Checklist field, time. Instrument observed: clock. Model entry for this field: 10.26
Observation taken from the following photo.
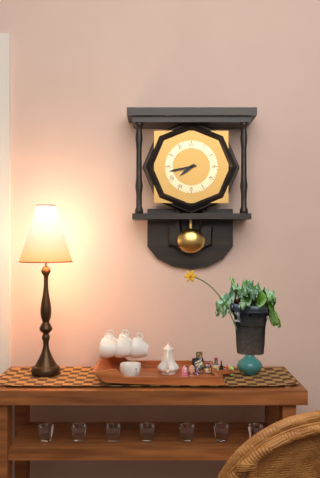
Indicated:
7.43
